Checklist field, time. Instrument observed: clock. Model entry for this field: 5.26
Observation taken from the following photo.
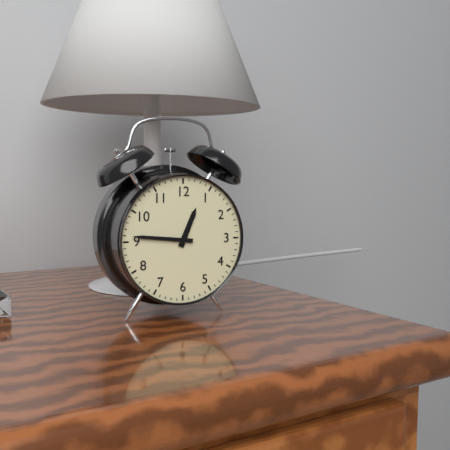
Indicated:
12.46
